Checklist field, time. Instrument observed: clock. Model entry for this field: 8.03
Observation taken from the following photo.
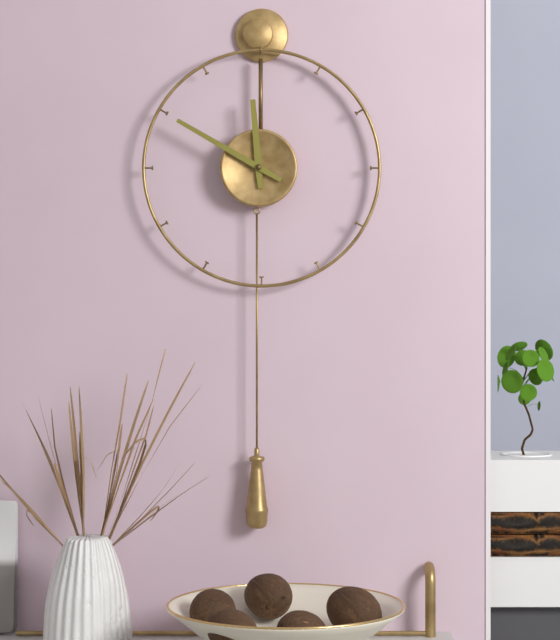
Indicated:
11.50
